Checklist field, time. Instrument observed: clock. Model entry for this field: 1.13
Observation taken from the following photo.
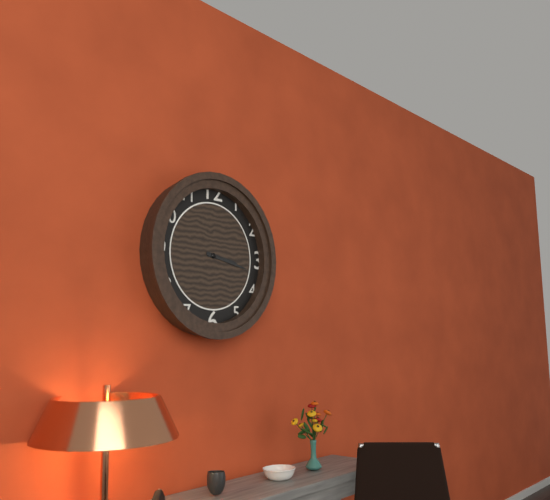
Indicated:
3.17
